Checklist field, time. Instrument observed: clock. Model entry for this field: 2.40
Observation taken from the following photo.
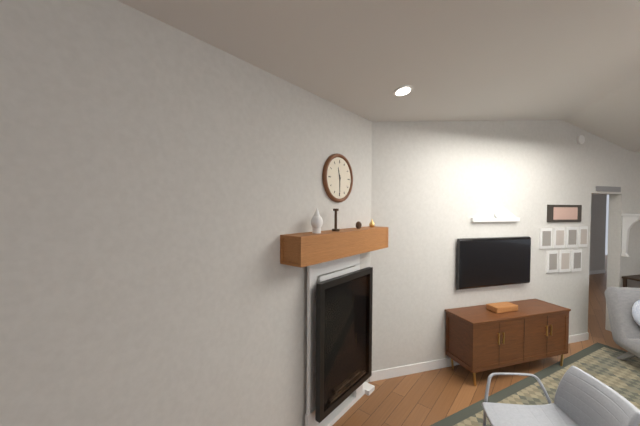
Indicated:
11.30
